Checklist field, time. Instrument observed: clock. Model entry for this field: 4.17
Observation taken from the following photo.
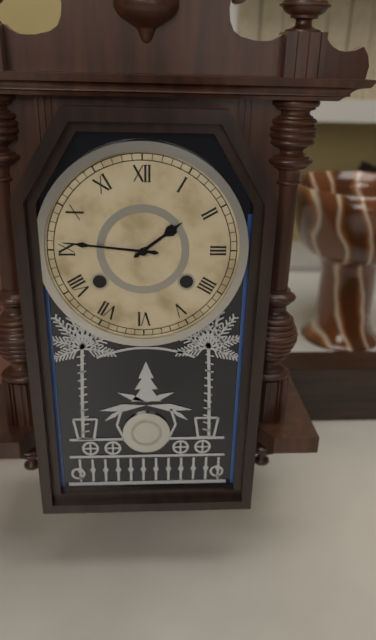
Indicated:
1.46
